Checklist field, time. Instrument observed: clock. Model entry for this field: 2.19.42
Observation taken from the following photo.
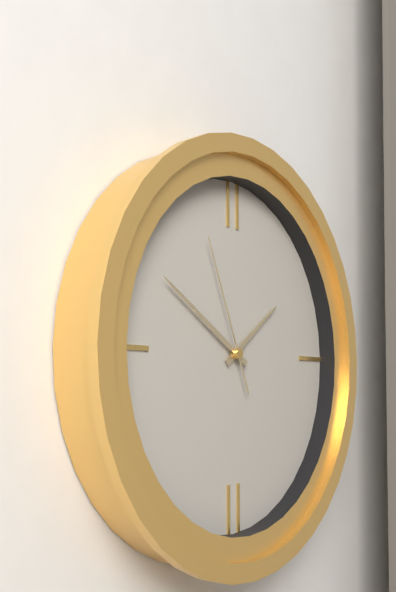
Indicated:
1.50.56
